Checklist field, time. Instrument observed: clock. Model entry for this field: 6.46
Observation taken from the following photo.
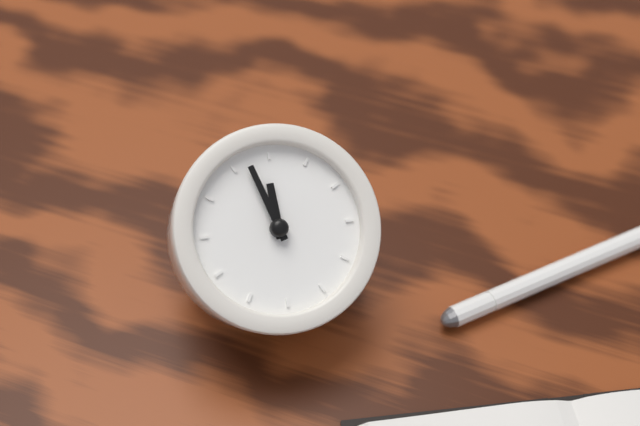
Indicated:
10.52
